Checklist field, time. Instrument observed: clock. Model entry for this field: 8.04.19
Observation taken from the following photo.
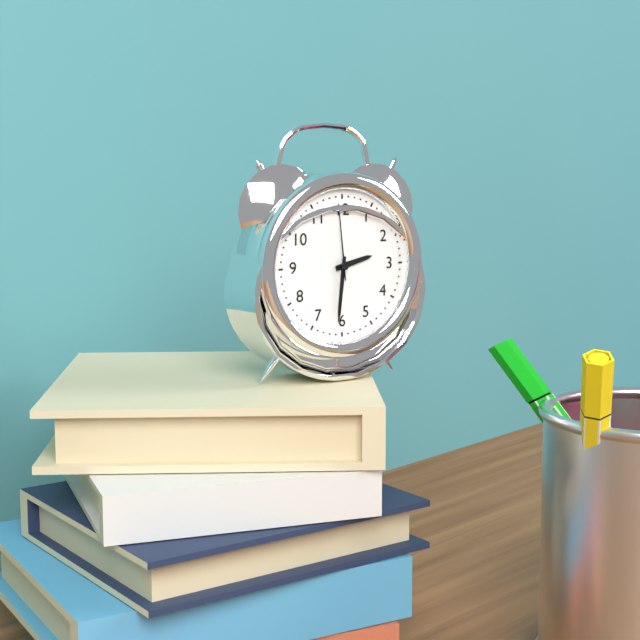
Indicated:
2.31.59
